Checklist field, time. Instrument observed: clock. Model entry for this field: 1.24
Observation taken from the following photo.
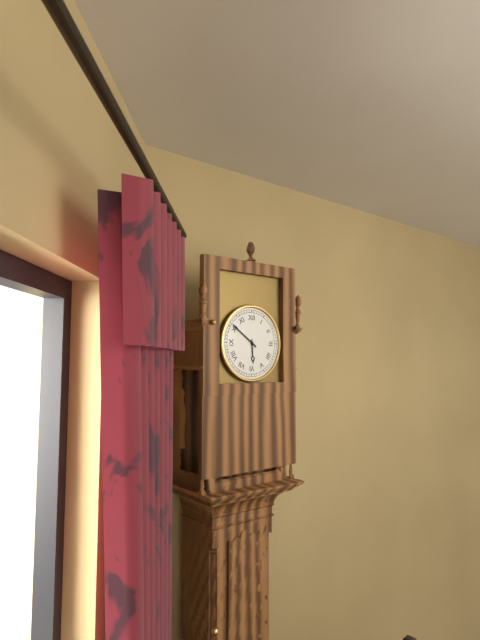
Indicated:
5.51
